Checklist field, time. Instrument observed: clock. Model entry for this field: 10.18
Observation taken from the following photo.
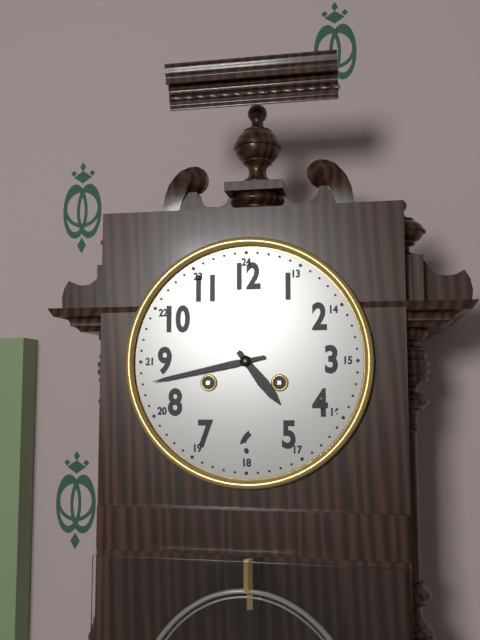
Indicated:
4.43
